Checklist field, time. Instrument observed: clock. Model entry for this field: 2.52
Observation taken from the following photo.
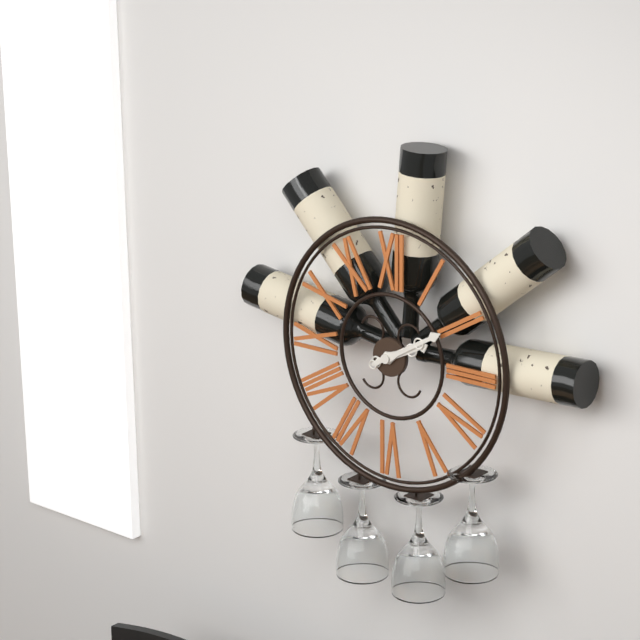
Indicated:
2.10
